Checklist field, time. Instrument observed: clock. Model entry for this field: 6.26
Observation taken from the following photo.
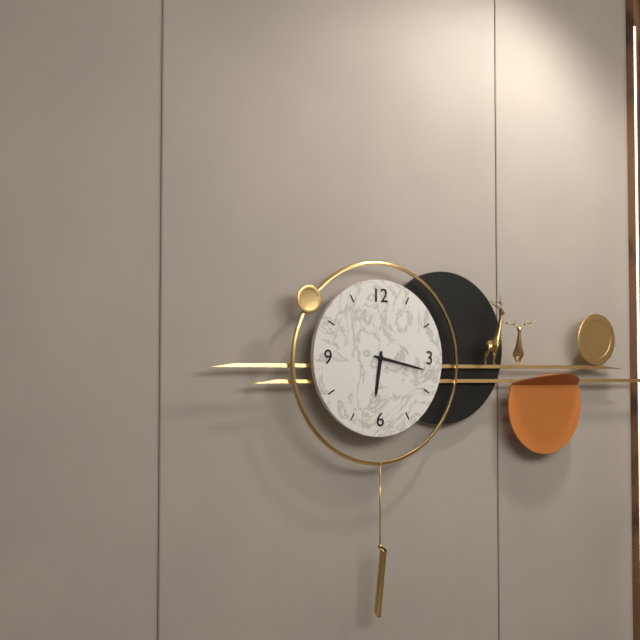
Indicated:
6.17
